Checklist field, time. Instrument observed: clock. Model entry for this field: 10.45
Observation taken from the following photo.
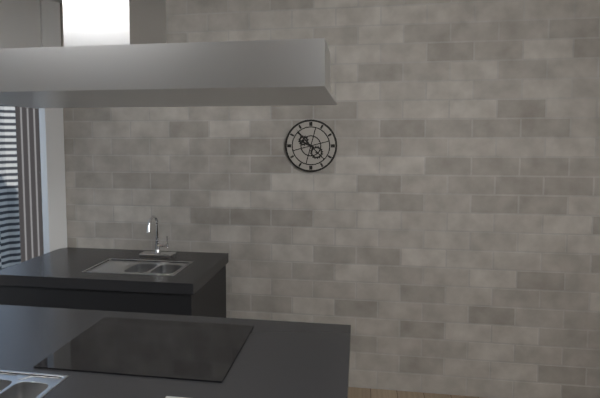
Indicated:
9.53
